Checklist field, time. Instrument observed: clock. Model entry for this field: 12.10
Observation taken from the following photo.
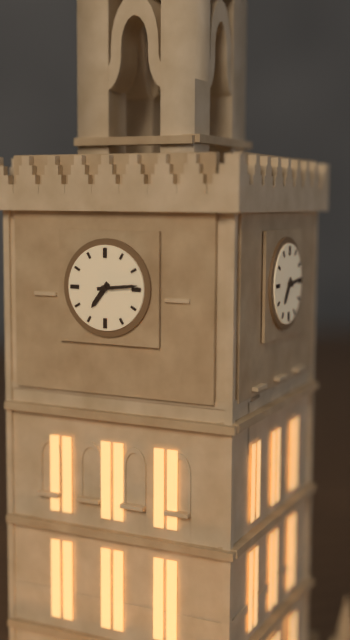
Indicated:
7.14
